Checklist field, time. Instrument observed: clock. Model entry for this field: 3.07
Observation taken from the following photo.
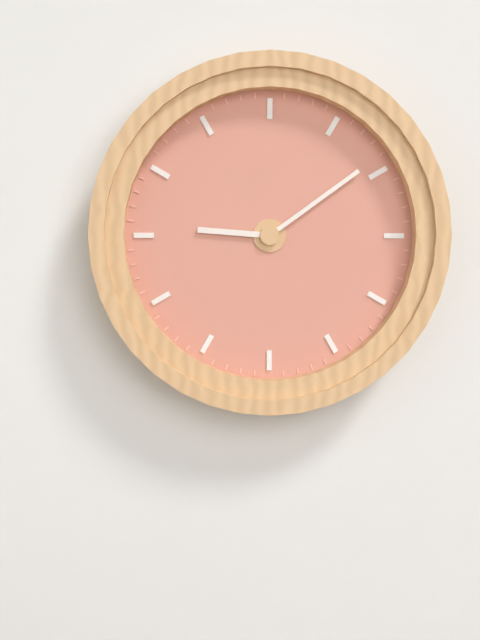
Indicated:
9.09
